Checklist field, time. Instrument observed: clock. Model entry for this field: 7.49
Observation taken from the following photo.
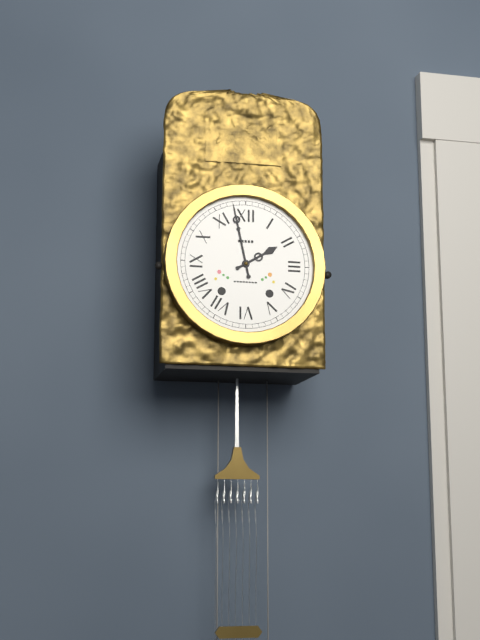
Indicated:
1.58
